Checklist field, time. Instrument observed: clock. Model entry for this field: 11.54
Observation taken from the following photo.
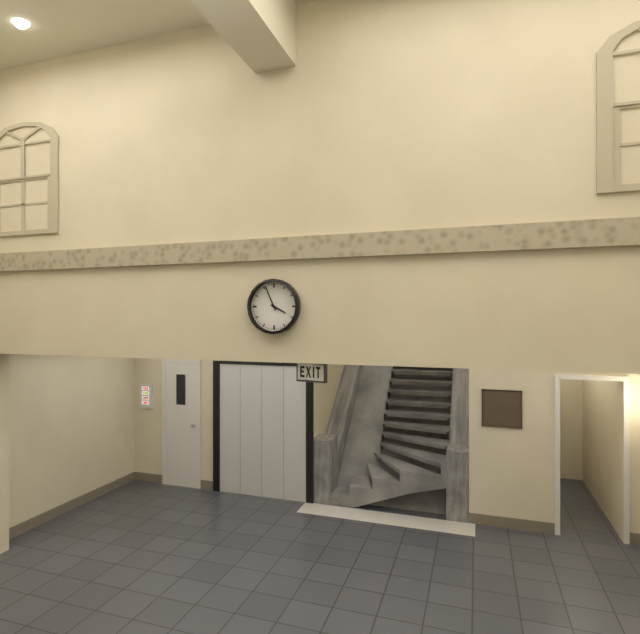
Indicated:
3.56
